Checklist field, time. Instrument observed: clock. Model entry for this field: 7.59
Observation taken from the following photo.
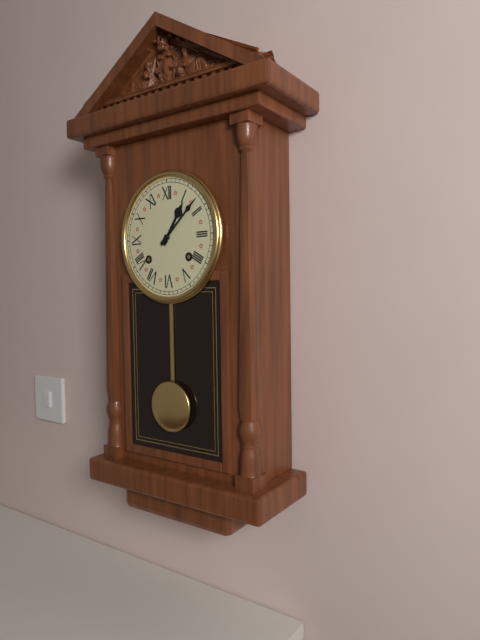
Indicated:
1.08
